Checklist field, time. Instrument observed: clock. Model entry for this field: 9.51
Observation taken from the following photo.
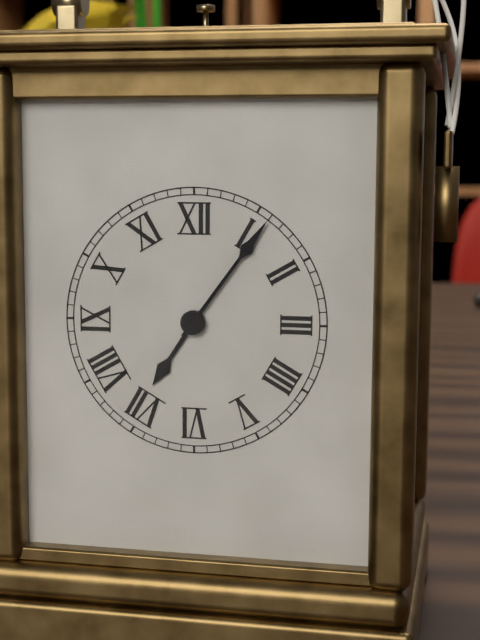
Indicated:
7.06
